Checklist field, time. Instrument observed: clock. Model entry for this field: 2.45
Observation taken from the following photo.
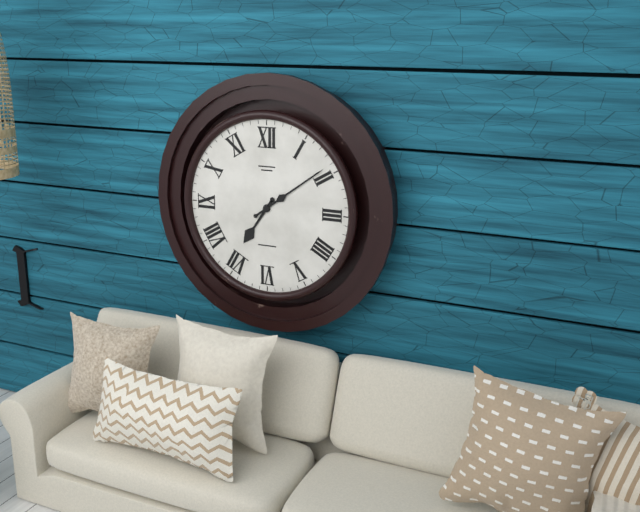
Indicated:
7.09
